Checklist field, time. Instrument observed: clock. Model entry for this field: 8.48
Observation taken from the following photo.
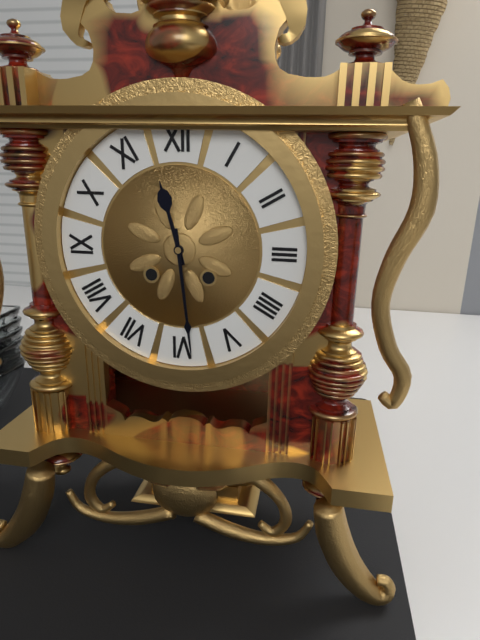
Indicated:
11.29
